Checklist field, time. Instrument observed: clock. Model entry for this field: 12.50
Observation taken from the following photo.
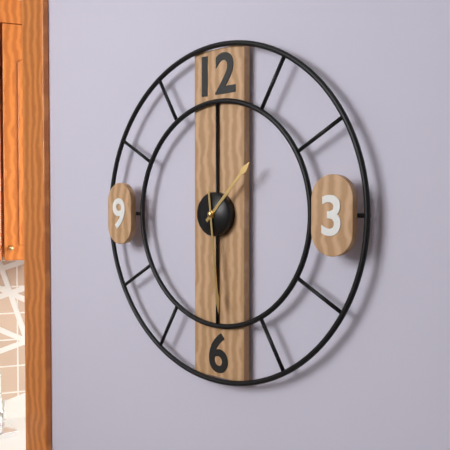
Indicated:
1.29
